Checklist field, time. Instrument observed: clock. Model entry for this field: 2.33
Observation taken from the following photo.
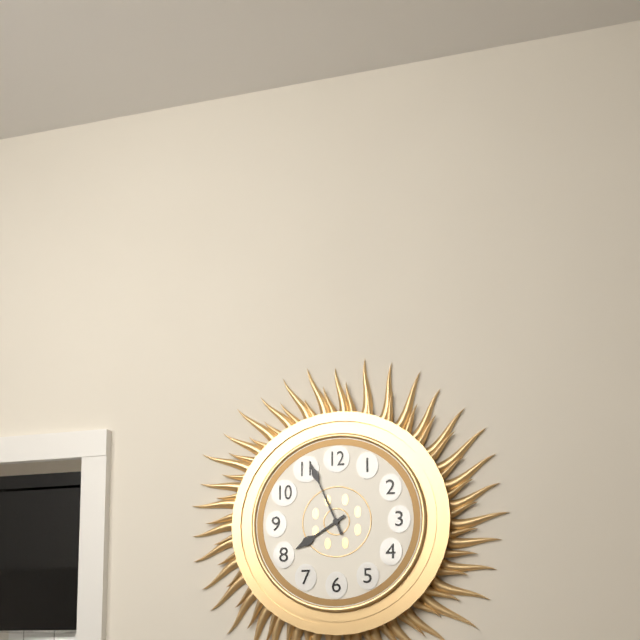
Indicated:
7.56
